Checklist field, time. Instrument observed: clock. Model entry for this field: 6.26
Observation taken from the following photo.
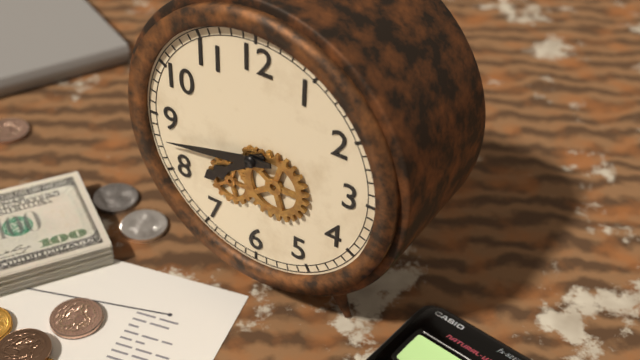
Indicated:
7.43
